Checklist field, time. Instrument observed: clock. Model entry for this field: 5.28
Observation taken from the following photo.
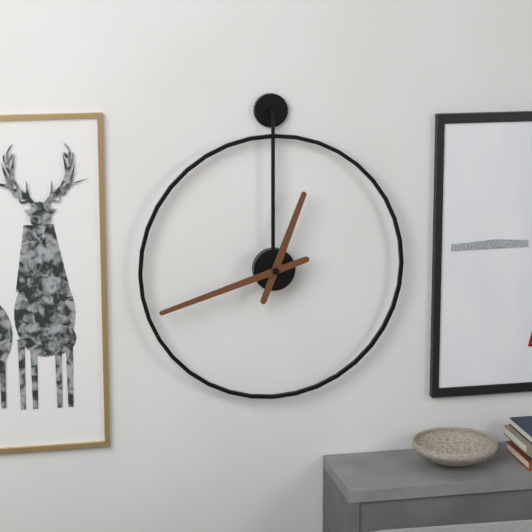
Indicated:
12.42
